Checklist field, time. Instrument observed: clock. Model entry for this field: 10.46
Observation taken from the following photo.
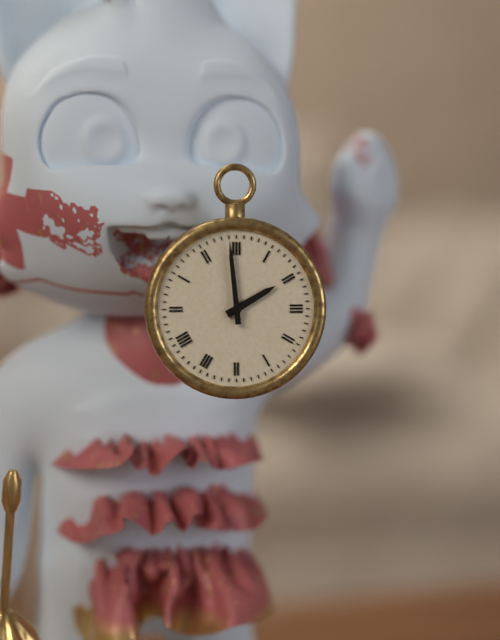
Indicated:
1.59
